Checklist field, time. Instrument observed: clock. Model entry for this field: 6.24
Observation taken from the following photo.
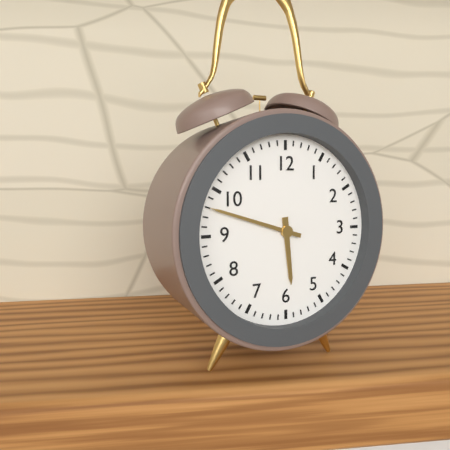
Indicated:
5.48
